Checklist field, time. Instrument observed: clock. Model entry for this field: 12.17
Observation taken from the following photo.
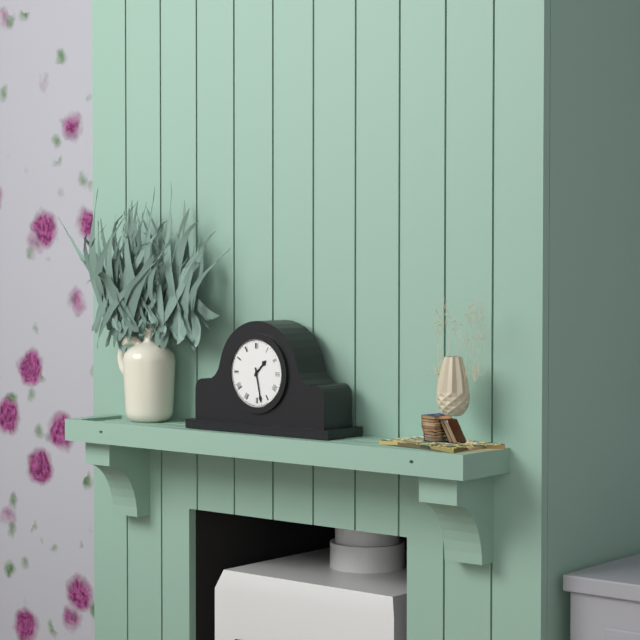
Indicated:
1.28
